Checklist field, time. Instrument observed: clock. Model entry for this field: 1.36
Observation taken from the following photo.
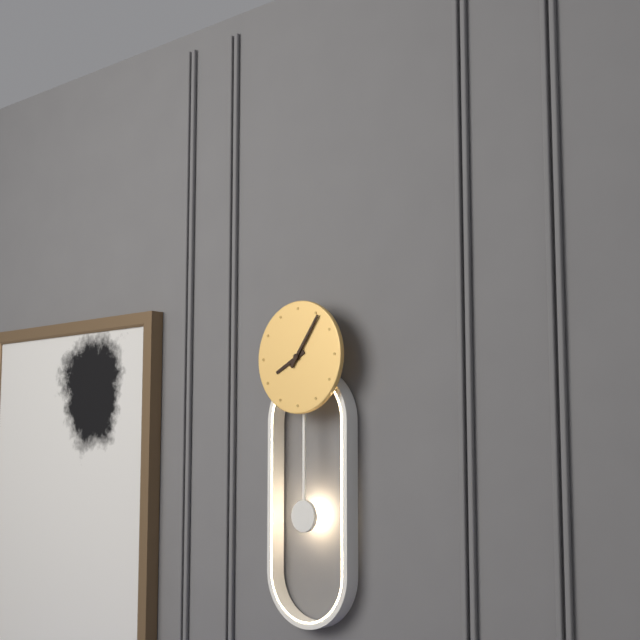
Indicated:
8.06
